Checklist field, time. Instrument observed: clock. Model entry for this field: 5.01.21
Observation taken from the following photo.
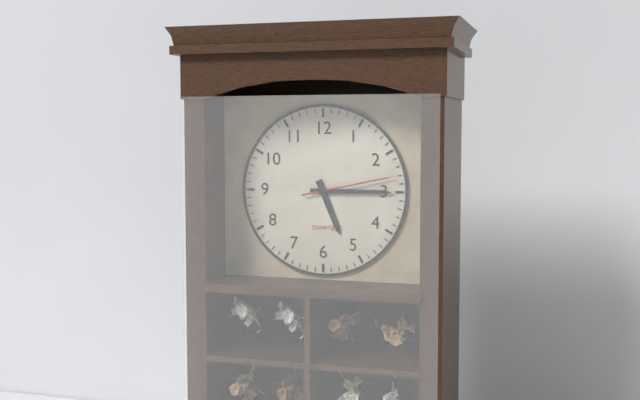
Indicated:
5.15.13
